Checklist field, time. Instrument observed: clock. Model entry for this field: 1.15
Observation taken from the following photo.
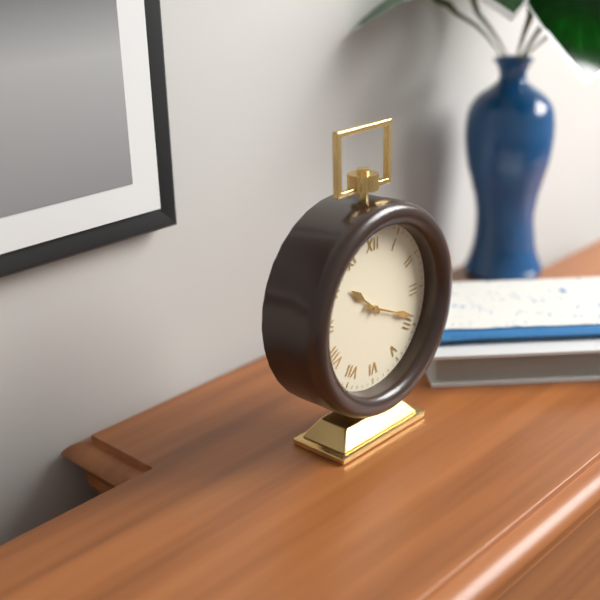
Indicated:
10.19
